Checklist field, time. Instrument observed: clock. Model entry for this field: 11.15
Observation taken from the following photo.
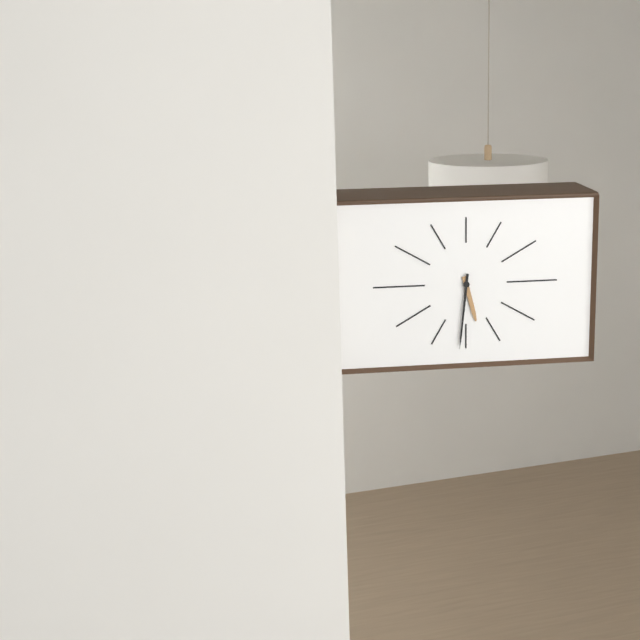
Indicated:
5.31
